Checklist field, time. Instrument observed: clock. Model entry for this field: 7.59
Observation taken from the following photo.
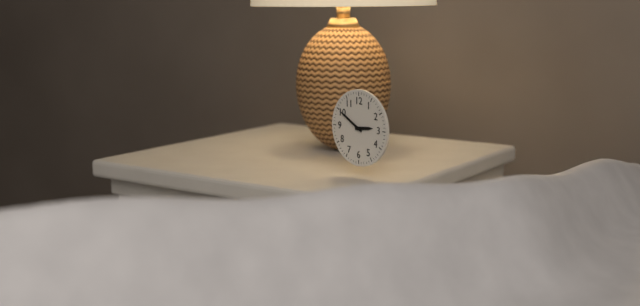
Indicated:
2.50
